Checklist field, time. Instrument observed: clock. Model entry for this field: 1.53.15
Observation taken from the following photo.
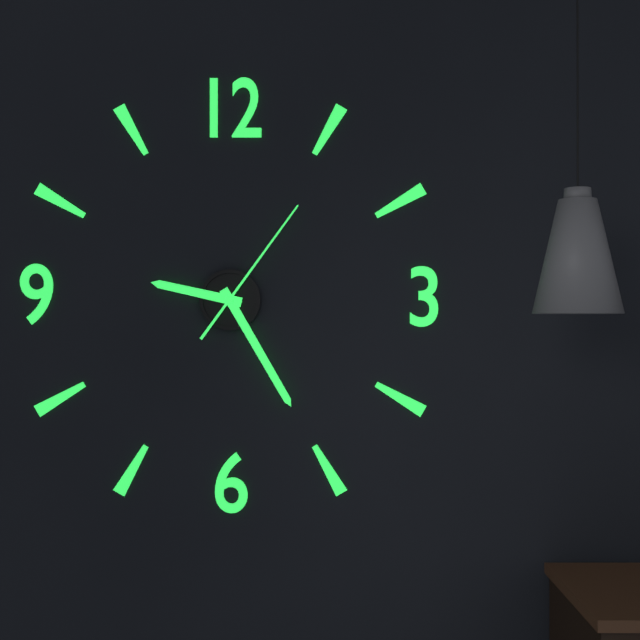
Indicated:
9.25.06
